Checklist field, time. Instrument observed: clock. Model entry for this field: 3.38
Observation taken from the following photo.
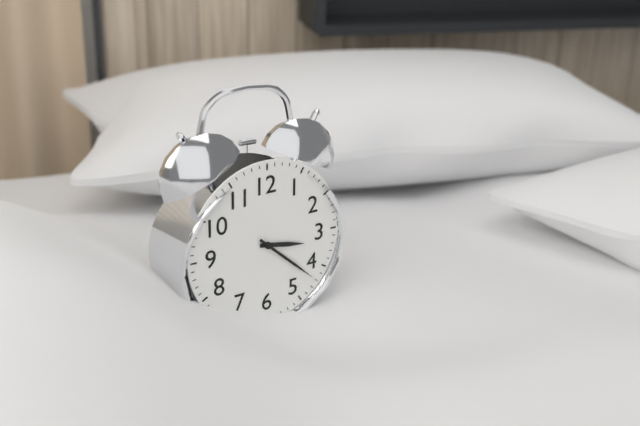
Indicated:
3.22
